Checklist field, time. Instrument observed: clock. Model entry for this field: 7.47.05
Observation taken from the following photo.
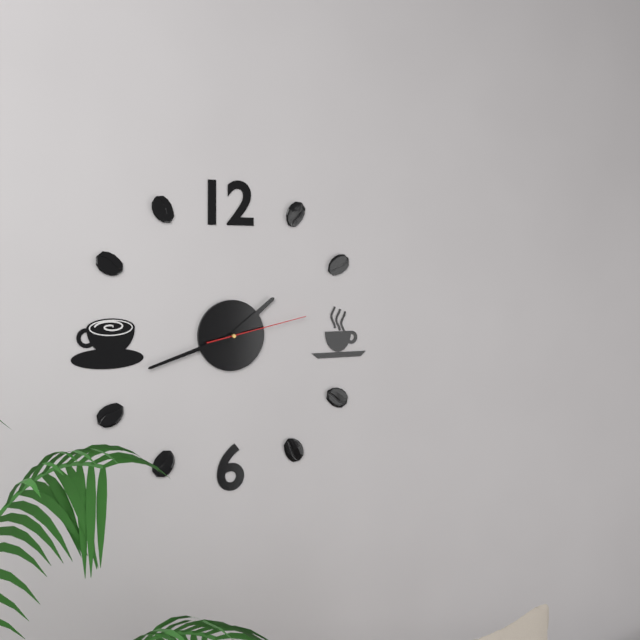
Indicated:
1.42.13
